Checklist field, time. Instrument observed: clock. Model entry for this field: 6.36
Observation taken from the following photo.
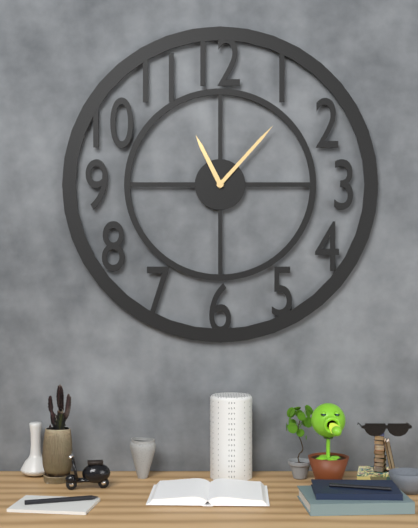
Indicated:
11.07
